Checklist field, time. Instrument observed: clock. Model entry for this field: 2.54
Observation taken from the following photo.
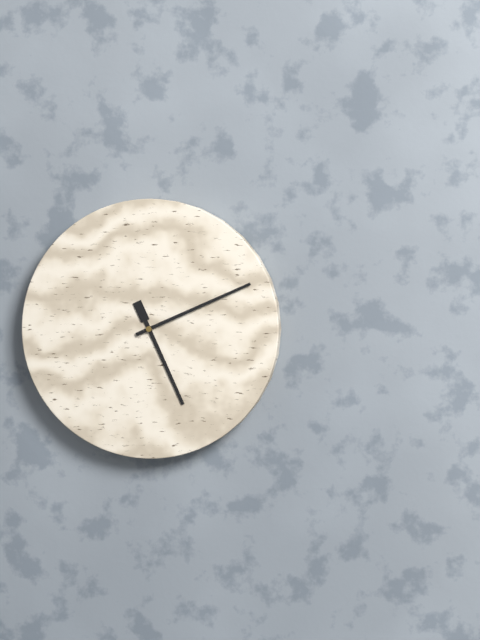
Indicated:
5.11
